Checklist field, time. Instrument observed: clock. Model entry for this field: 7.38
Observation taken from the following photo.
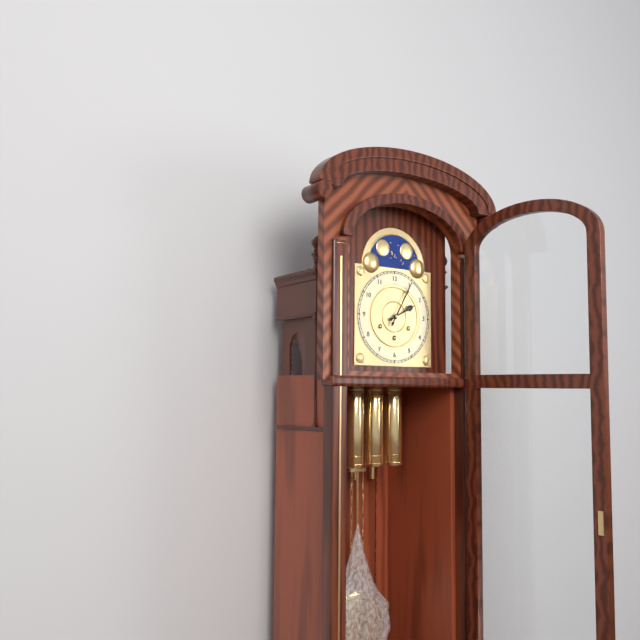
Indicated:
2.05
